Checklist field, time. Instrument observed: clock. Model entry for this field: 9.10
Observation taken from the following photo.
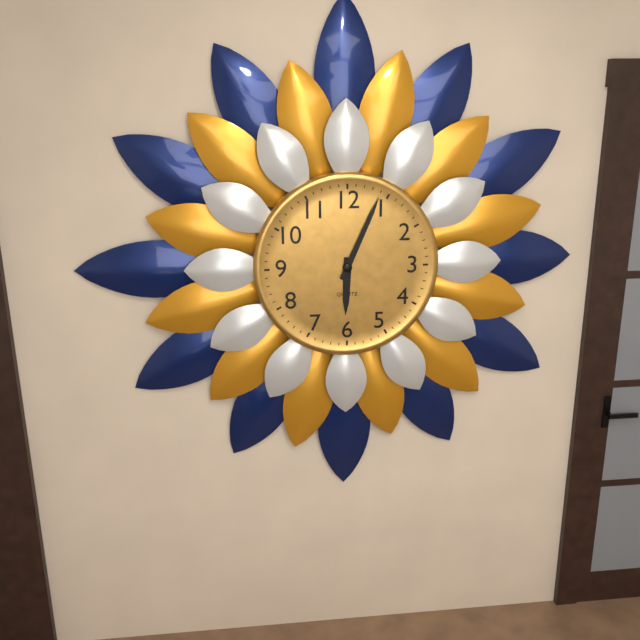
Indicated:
6.04
